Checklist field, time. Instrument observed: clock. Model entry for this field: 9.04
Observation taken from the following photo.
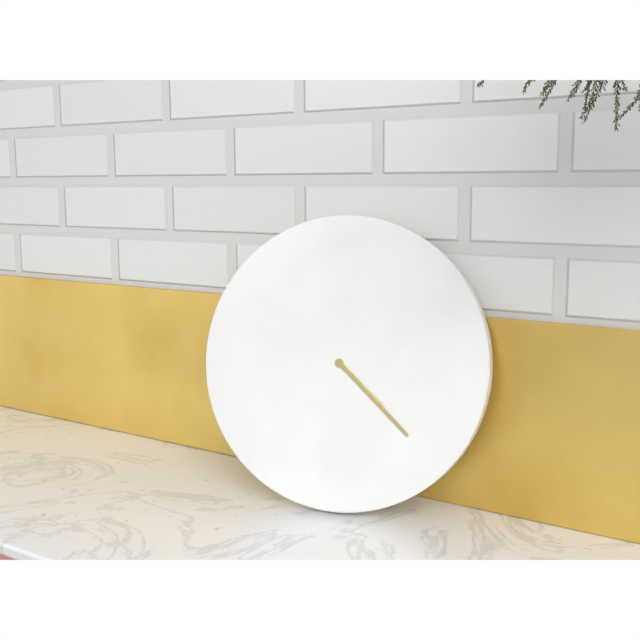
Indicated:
4.22
